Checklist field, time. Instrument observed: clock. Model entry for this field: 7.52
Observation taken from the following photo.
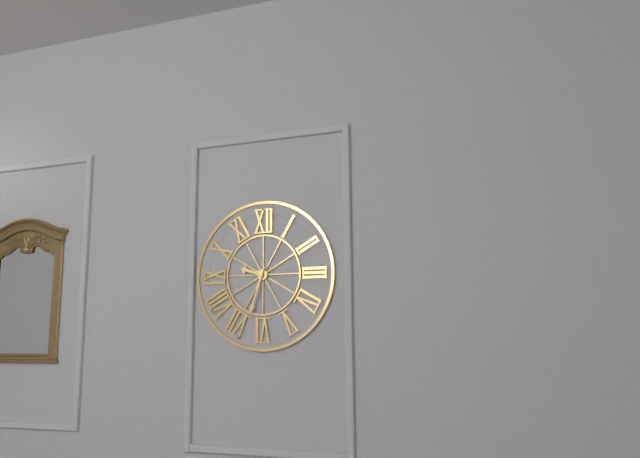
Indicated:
9.33
